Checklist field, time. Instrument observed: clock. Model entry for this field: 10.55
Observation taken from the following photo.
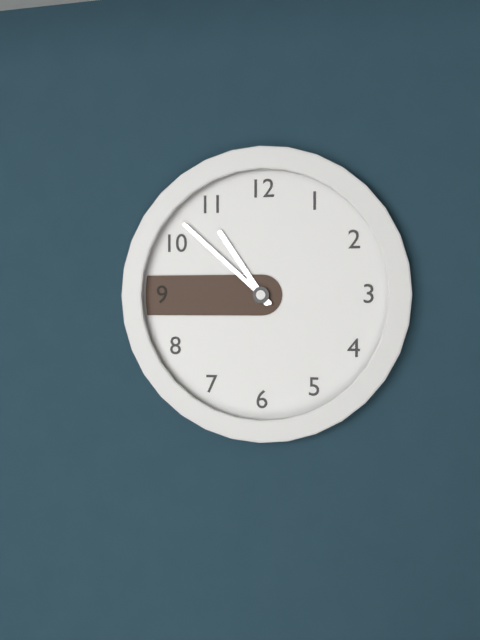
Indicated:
10.52
